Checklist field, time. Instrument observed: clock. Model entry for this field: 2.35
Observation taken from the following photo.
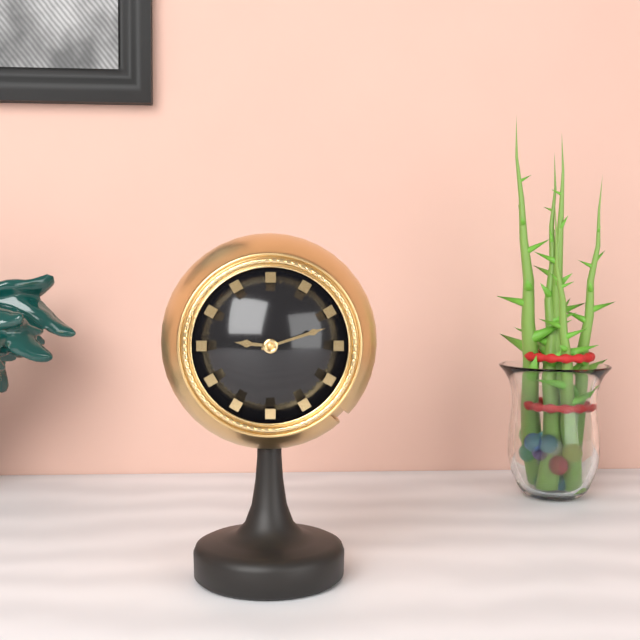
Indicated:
9.12
